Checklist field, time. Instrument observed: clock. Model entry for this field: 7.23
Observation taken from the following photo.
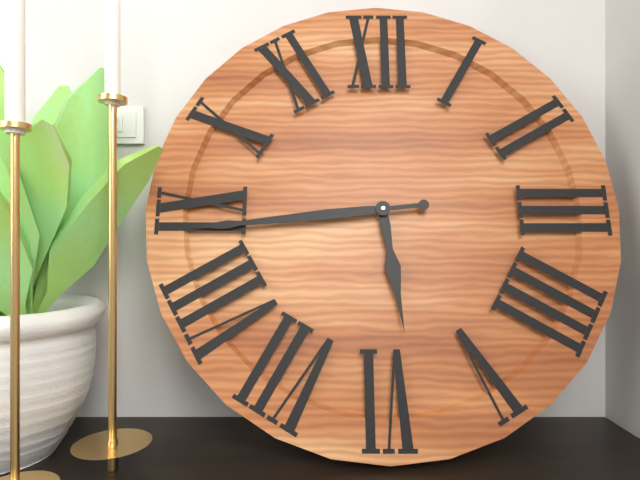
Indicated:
5.44
